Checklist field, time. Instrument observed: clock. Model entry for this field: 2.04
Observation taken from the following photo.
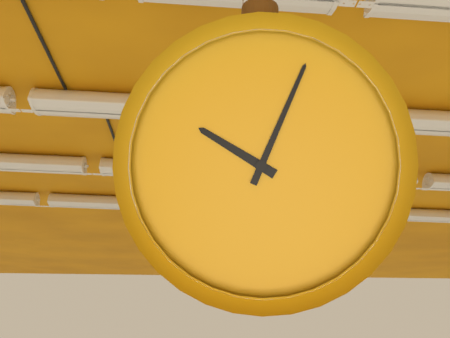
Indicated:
10.04
